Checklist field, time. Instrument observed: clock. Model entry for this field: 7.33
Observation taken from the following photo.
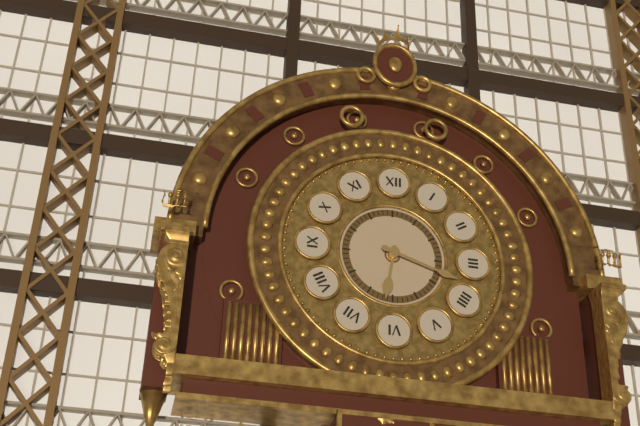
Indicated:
6.18
